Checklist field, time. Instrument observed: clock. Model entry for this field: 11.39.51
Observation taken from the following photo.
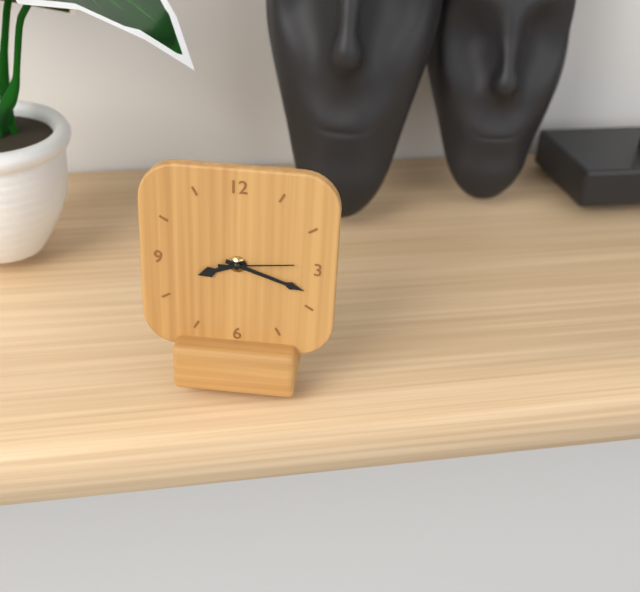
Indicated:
8.18.14
